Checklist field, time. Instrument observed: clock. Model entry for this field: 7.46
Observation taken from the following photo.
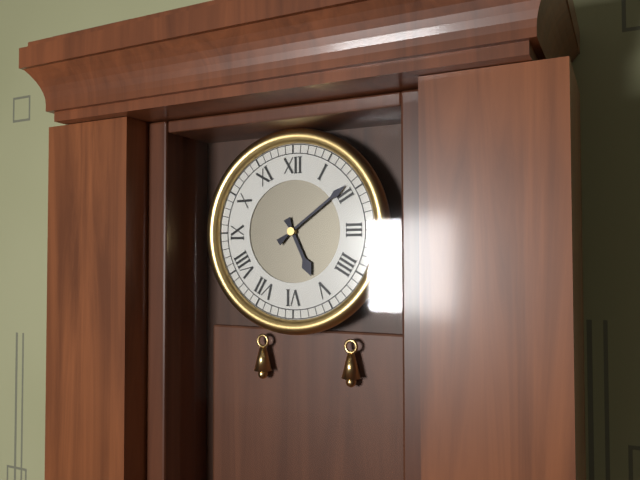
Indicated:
5.09
